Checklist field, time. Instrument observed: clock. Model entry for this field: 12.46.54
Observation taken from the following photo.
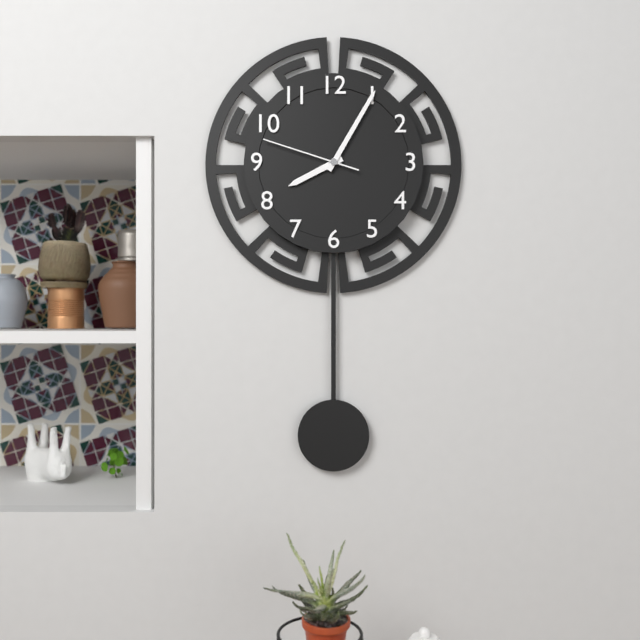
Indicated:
8.05.48
